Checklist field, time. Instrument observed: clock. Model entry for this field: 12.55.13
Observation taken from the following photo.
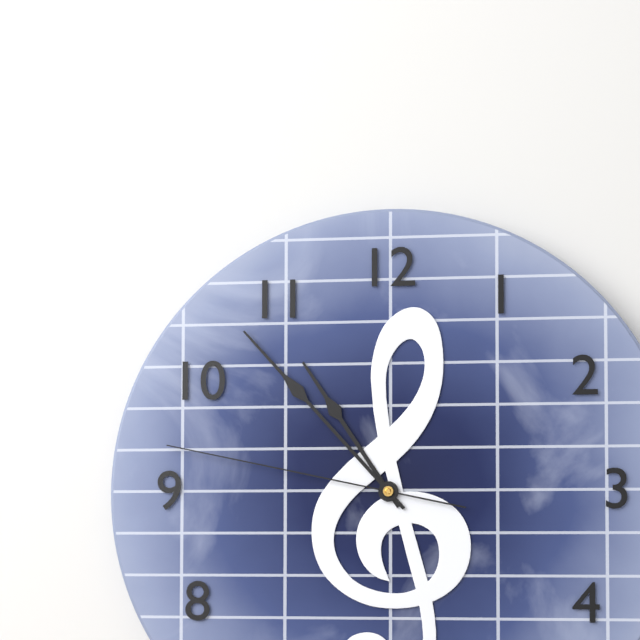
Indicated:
10.53.47
